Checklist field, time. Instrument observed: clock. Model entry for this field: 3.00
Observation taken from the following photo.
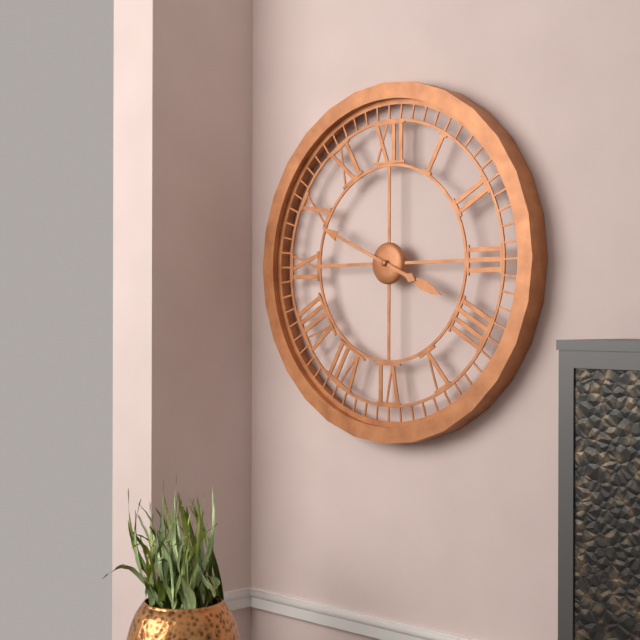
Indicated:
3.49
